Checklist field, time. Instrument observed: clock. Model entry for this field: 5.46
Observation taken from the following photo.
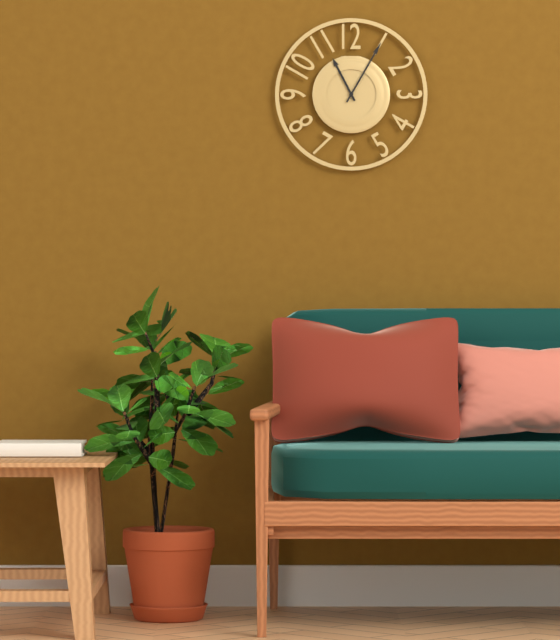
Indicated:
11.05
